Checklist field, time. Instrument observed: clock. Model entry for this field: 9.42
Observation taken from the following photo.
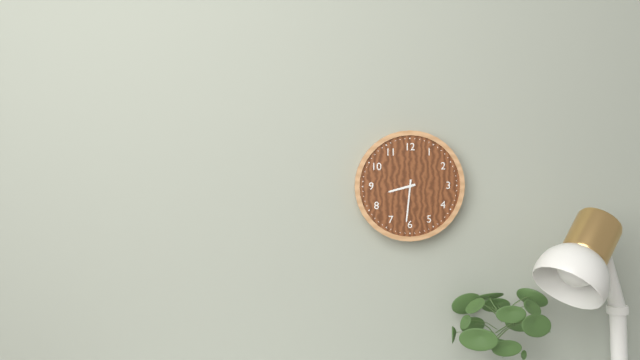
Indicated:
8.31
